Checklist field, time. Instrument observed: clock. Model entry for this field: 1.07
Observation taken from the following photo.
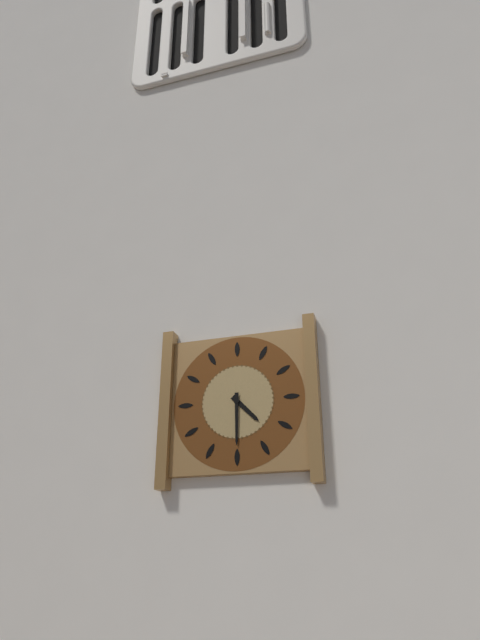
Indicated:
4.30
